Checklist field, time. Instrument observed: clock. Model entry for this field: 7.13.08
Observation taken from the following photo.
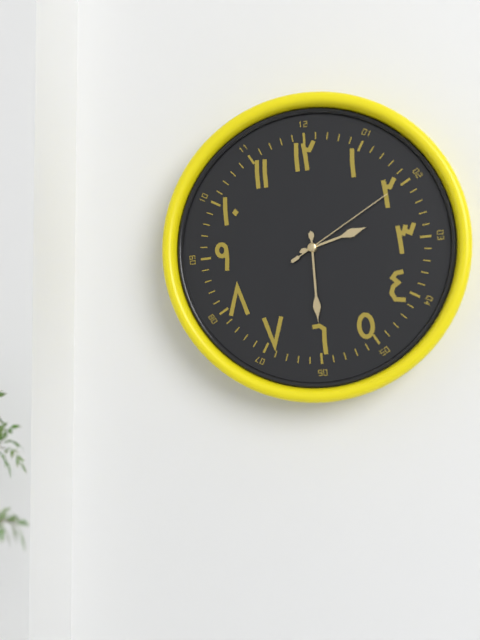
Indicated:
2.30.10
